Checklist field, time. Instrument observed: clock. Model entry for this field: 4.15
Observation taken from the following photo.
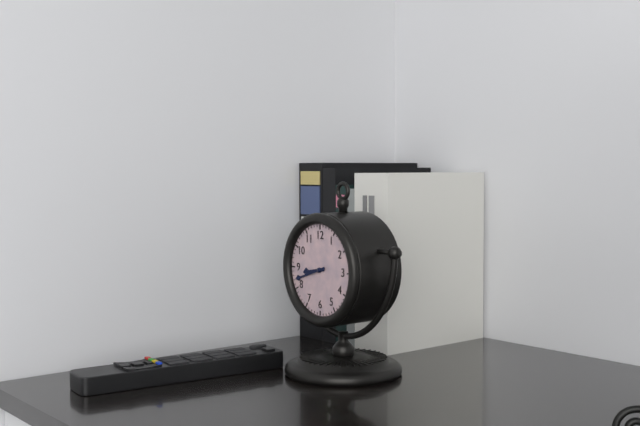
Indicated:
8.42
